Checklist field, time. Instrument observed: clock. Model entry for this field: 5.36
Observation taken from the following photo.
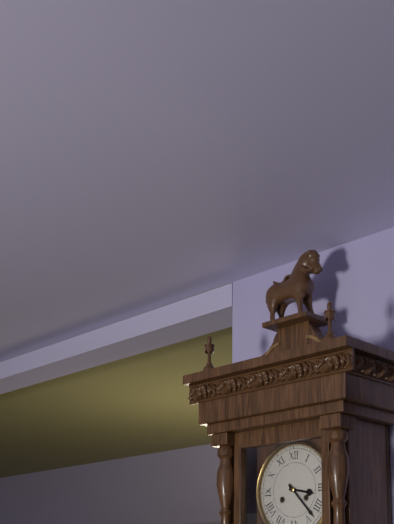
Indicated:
3.23
